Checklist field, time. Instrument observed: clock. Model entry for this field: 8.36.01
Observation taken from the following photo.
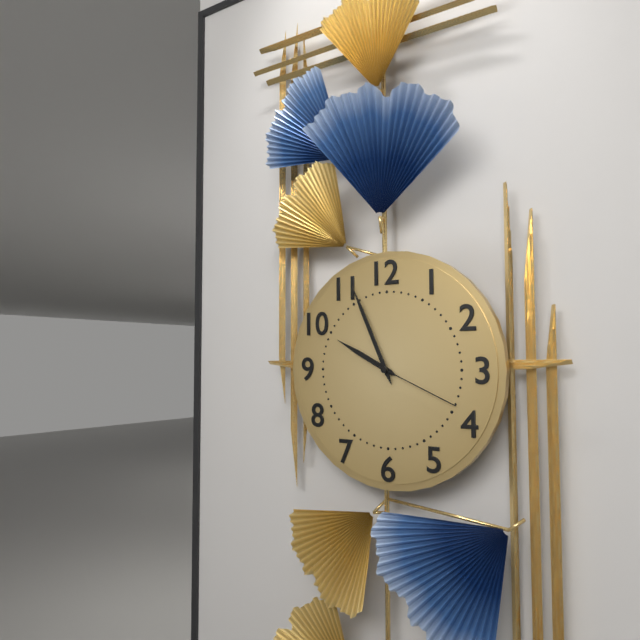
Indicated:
9.56.19
